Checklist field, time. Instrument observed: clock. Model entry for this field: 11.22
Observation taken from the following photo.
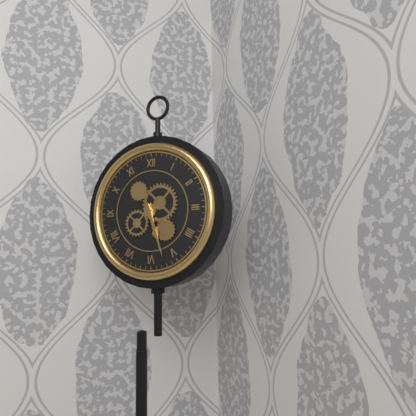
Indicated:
5.27
